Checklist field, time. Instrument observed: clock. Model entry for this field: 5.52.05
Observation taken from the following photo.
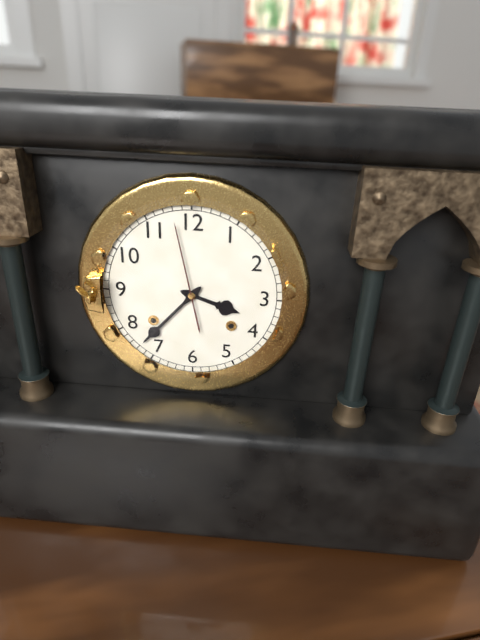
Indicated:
3.37.58
